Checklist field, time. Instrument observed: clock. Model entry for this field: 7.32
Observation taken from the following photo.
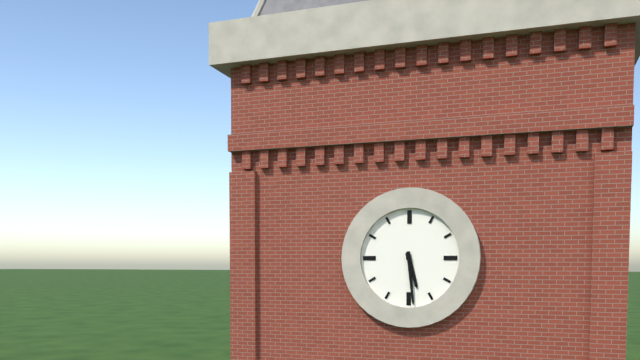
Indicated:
5.29
